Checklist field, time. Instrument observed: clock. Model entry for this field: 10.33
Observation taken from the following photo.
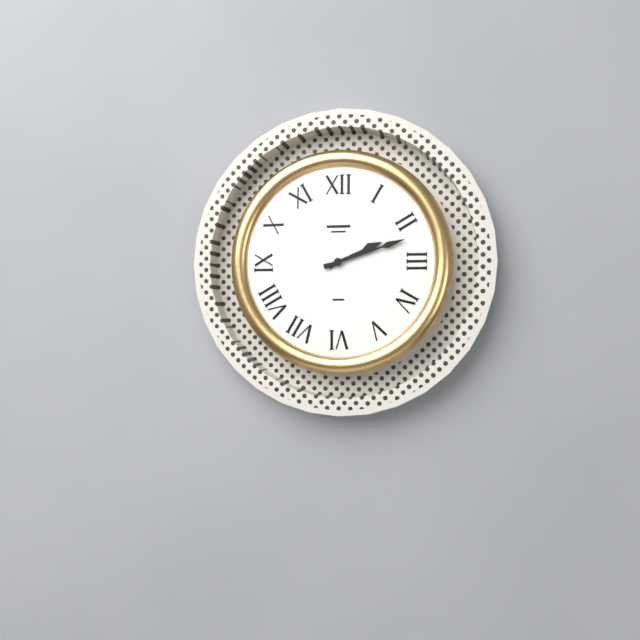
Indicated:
2.12
